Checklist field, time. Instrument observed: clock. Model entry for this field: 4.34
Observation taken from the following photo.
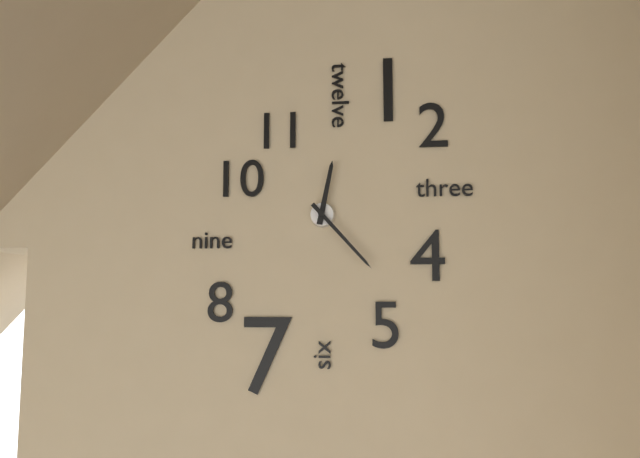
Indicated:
12.23
